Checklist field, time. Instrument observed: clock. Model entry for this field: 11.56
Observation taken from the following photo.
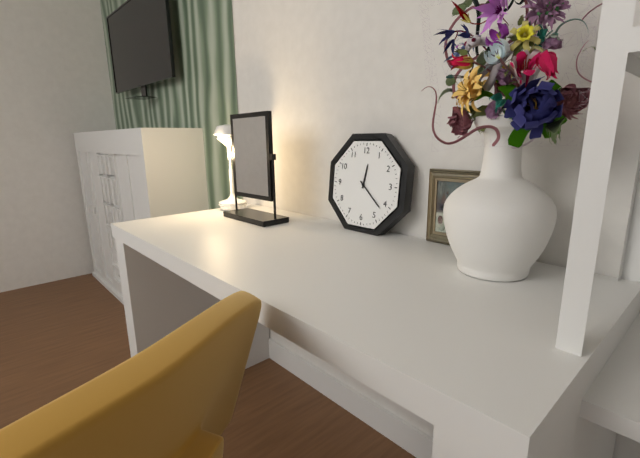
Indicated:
12.22
